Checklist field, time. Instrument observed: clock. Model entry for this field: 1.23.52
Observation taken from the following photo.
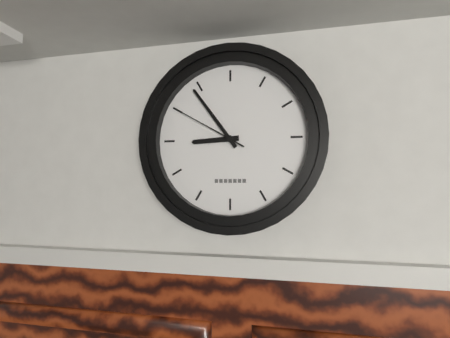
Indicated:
8.54.50
